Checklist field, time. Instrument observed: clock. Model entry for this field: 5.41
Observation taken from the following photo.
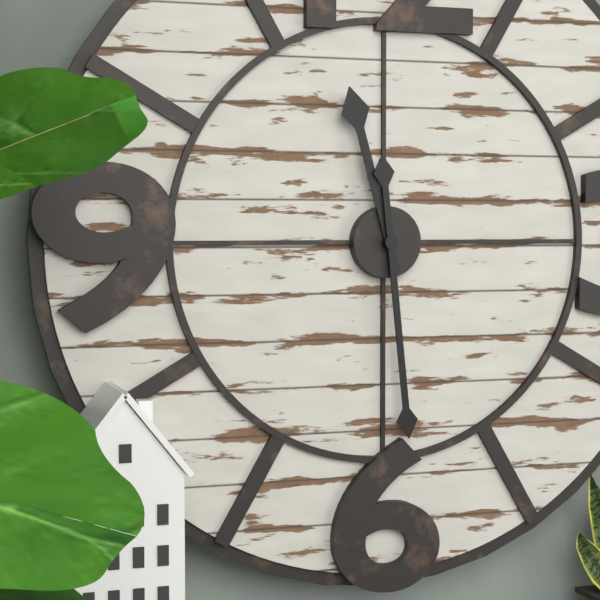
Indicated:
11.29
